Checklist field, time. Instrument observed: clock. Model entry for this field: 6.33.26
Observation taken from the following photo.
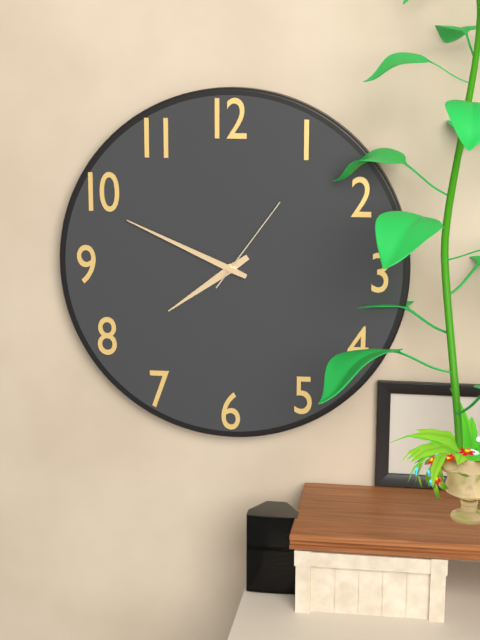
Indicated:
7.49.06
